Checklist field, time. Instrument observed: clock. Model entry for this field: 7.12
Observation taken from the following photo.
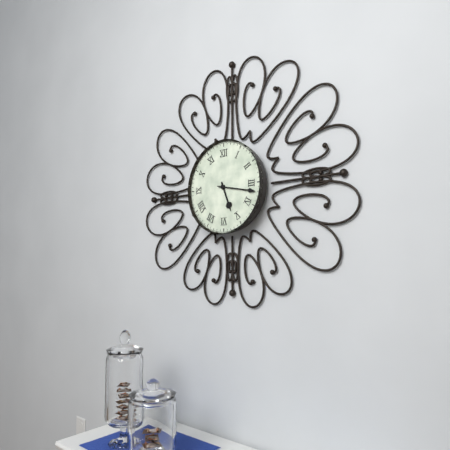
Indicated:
5.17
